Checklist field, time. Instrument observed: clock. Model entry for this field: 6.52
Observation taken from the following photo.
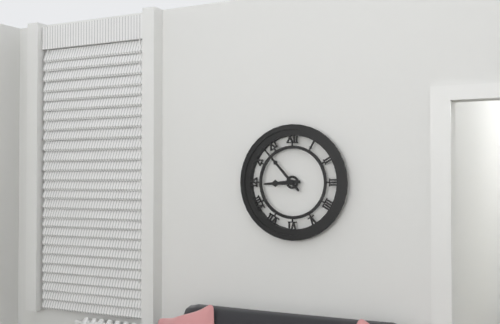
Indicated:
8.53
